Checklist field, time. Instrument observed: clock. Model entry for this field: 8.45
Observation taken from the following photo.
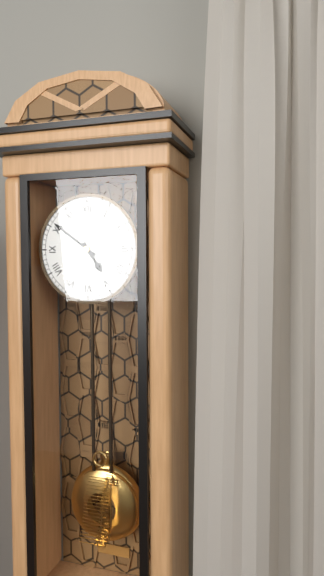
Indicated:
4.51
